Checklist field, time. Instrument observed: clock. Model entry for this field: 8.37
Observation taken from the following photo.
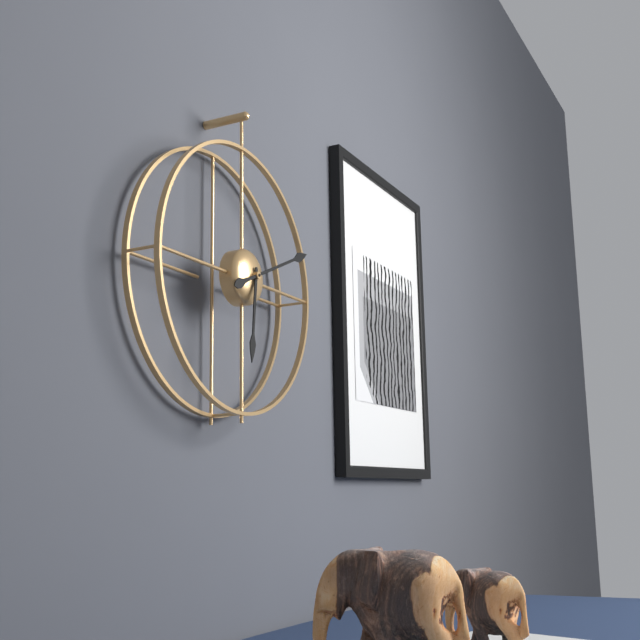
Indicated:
6.11
